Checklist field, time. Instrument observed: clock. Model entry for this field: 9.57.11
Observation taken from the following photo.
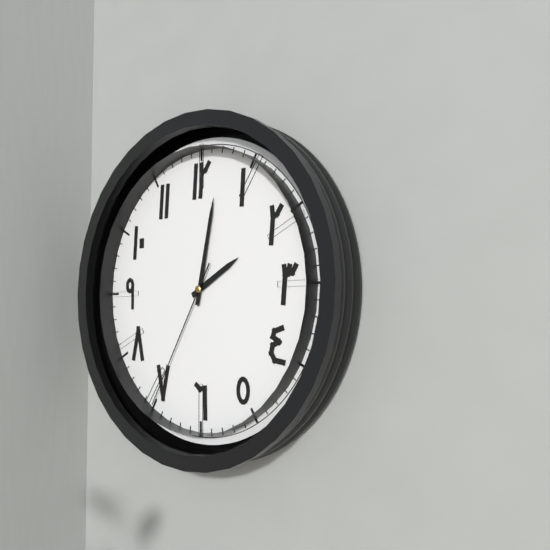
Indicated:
2.02.35
